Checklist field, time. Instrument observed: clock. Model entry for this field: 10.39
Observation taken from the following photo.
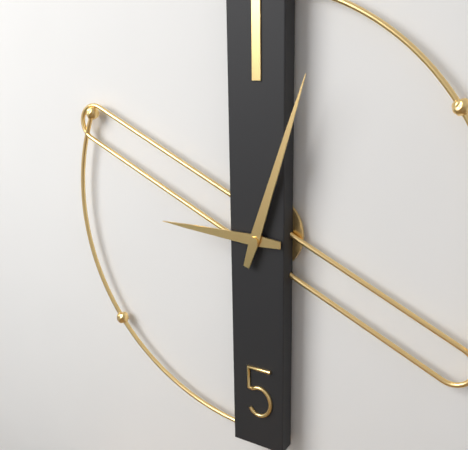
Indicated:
9.03
